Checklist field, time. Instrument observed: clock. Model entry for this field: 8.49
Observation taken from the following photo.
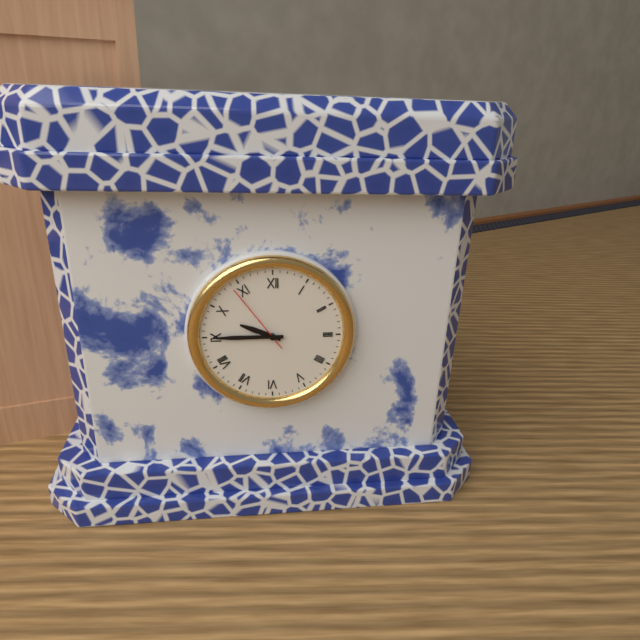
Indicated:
9.45
